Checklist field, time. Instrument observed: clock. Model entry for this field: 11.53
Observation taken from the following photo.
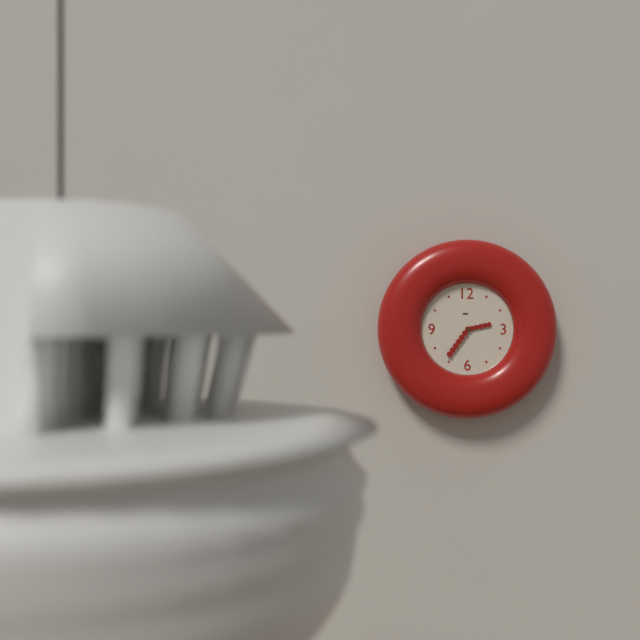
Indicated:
2.36
